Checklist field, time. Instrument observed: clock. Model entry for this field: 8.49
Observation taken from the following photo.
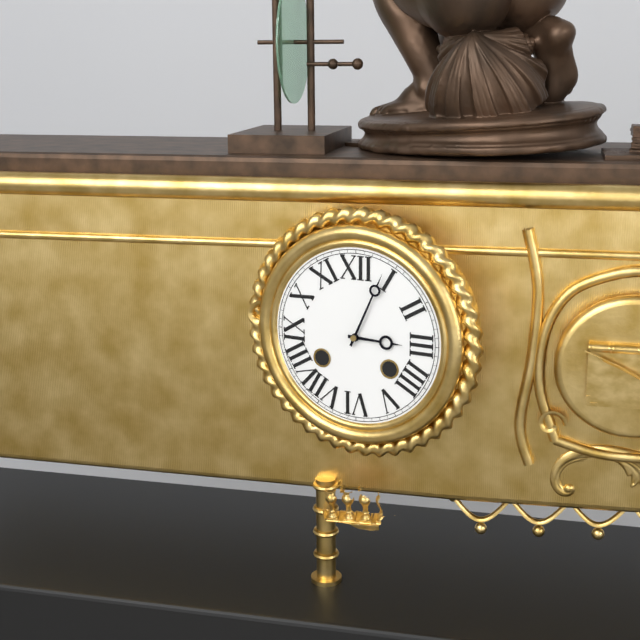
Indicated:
3.04
